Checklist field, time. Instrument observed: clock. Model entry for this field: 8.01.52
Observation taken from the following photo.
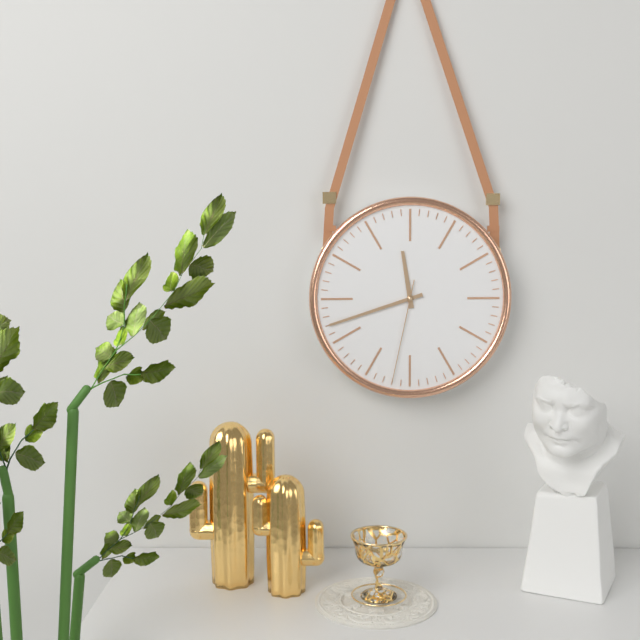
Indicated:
11.42.32
